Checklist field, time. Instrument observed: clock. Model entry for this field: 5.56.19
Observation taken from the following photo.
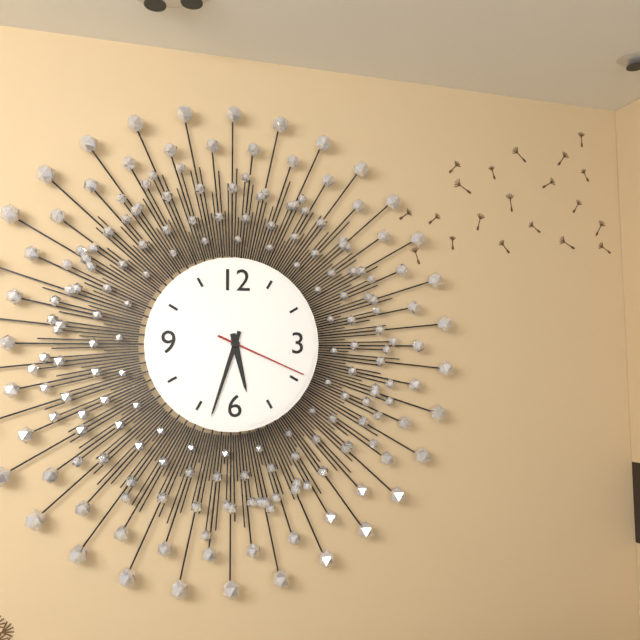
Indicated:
5.33.19
